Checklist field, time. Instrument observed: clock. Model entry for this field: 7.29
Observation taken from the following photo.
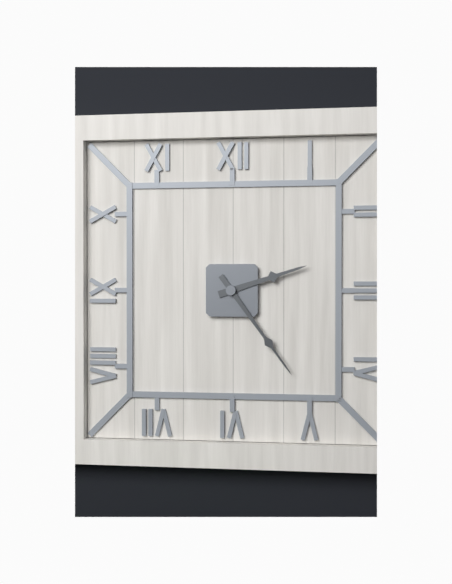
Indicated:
2.24
